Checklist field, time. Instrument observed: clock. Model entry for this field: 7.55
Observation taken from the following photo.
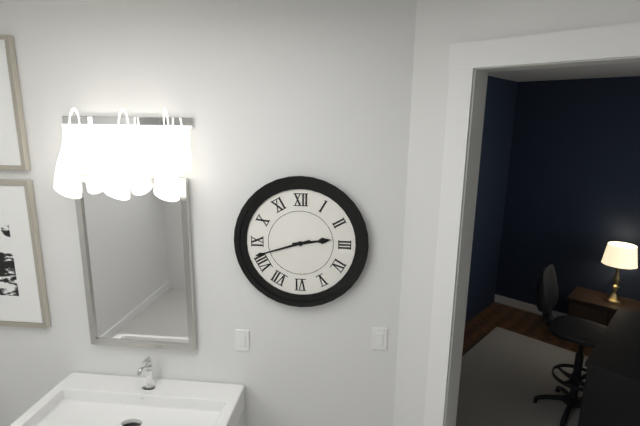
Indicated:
2.42
